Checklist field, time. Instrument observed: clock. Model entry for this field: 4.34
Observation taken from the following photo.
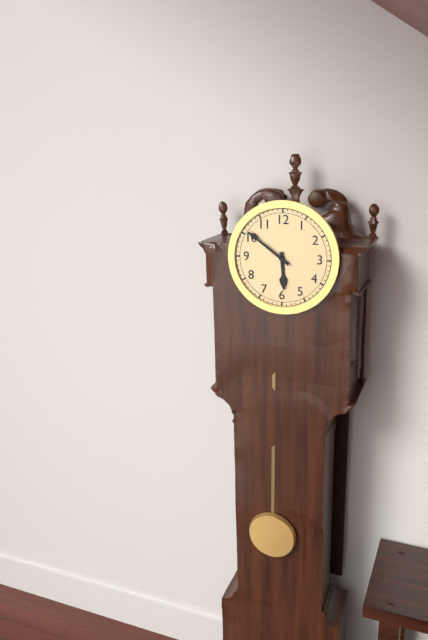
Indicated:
5.51
